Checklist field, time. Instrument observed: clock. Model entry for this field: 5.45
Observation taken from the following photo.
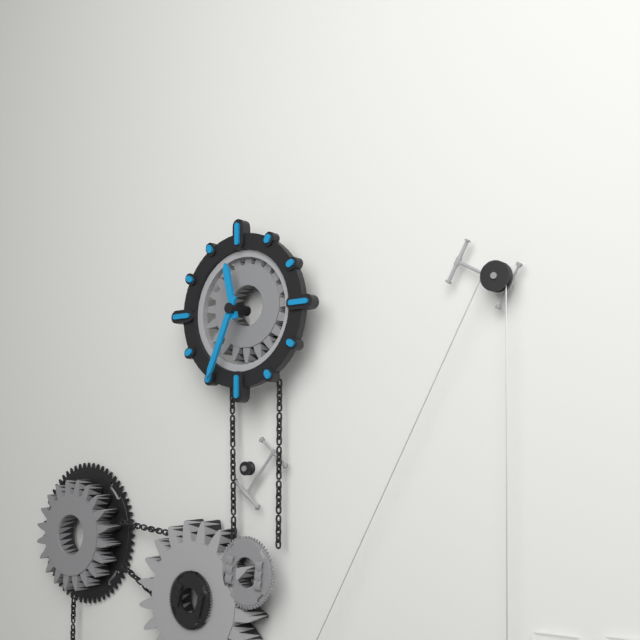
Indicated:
11.34
